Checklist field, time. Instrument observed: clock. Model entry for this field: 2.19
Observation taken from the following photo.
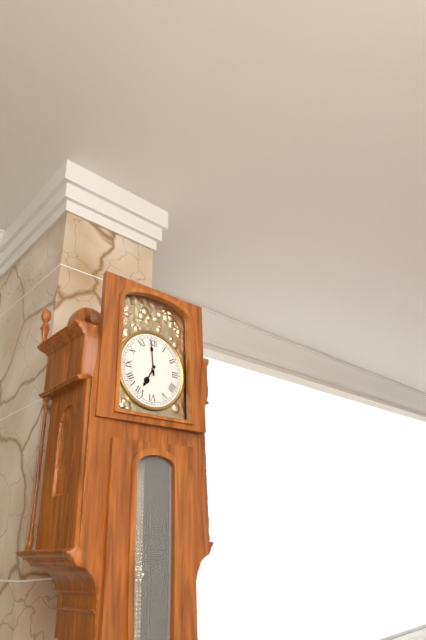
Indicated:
6.59
